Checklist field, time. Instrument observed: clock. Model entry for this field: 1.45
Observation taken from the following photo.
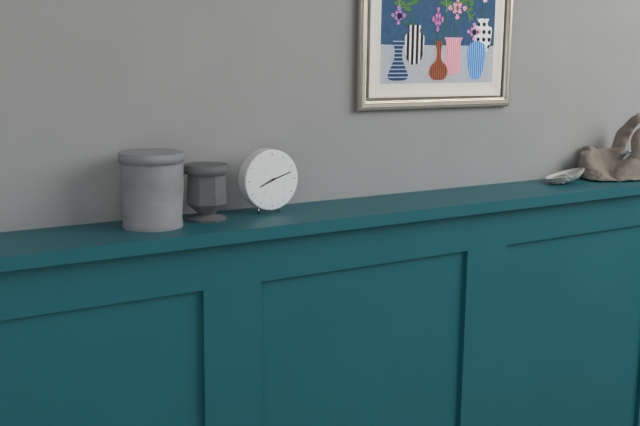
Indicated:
8.12
